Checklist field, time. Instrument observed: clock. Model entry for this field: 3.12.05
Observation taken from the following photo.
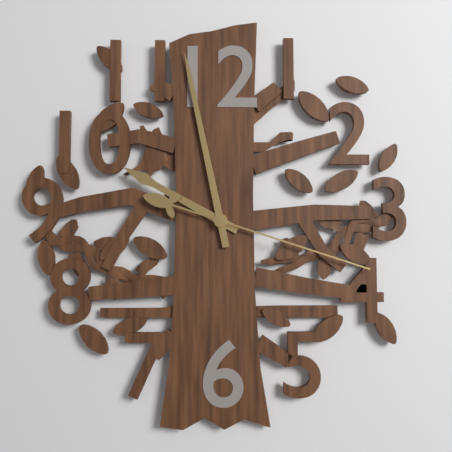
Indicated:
9.58.18
